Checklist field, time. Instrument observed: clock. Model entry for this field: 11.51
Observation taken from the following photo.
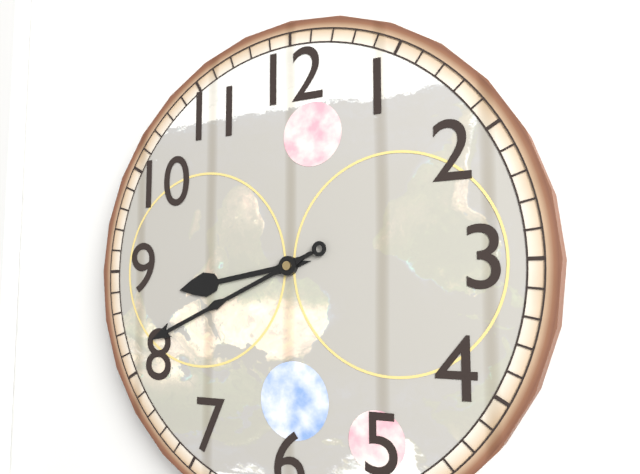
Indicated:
8.41
